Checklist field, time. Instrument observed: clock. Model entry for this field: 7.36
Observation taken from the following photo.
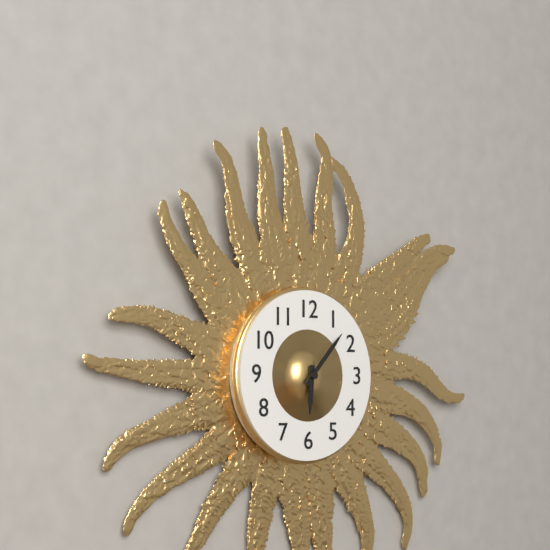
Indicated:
6.07
